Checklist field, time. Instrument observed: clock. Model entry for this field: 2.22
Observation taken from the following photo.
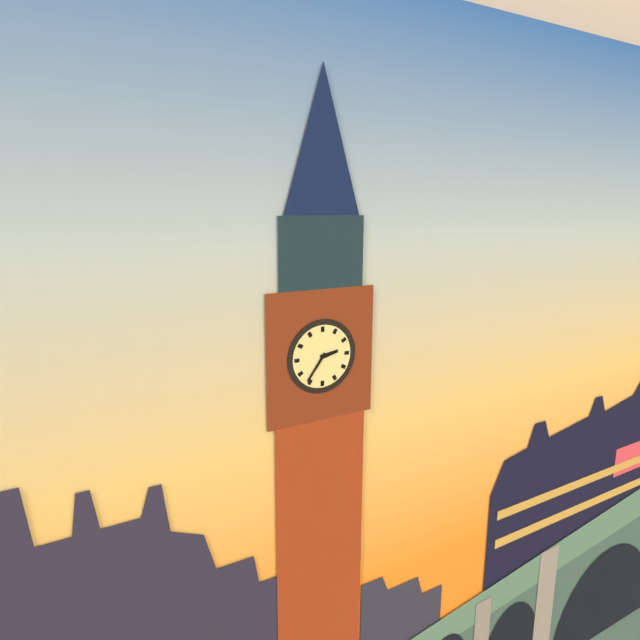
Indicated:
2.36
